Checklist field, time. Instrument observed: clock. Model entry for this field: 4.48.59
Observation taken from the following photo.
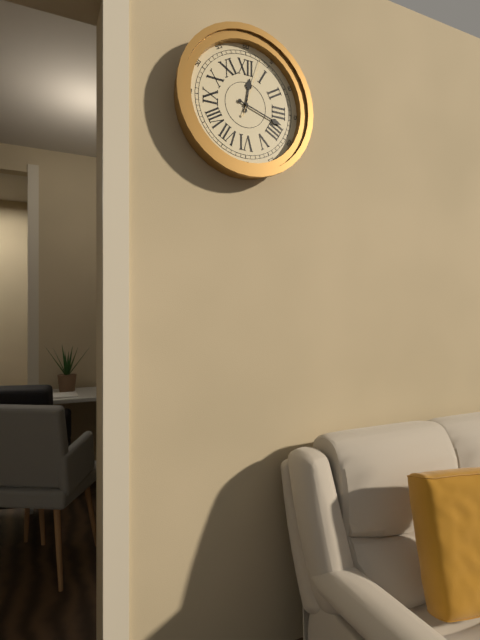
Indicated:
12.18.03
